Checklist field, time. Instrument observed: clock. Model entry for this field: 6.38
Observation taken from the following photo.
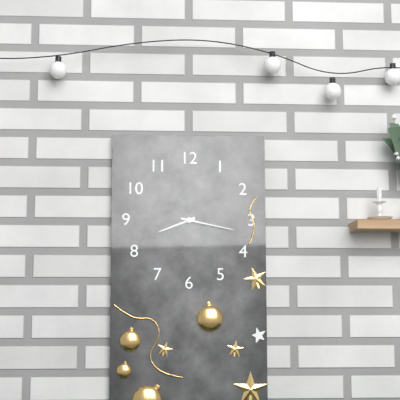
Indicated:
8.17
